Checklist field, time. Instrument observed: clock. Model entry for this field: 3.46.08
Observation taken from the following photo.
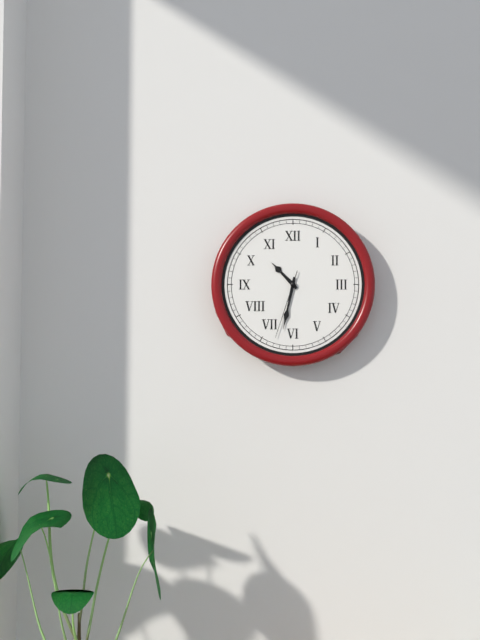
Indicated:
10.32.33
